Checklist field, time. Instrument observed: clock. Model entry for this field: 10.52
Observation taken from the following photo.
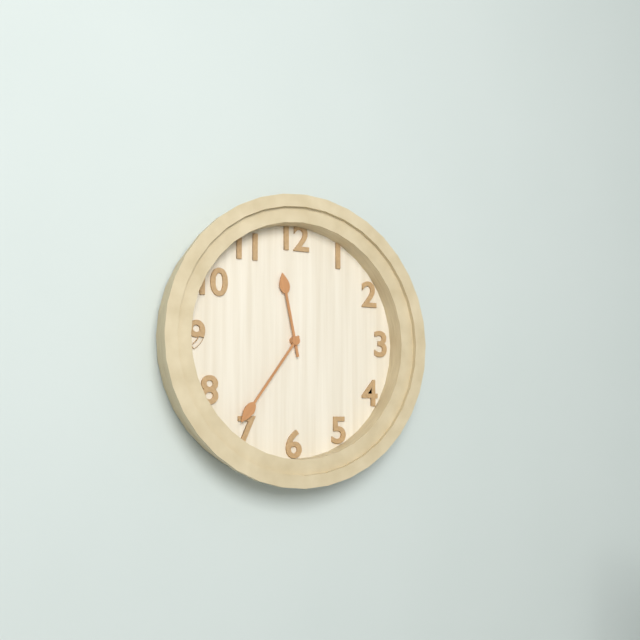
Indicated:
11.36
